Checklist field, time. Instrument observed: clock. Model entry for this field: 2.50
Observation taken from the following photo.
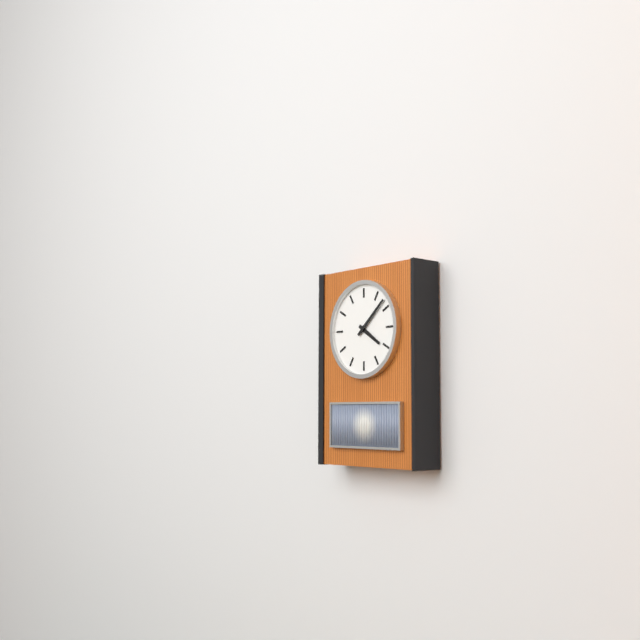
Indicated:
4.08
